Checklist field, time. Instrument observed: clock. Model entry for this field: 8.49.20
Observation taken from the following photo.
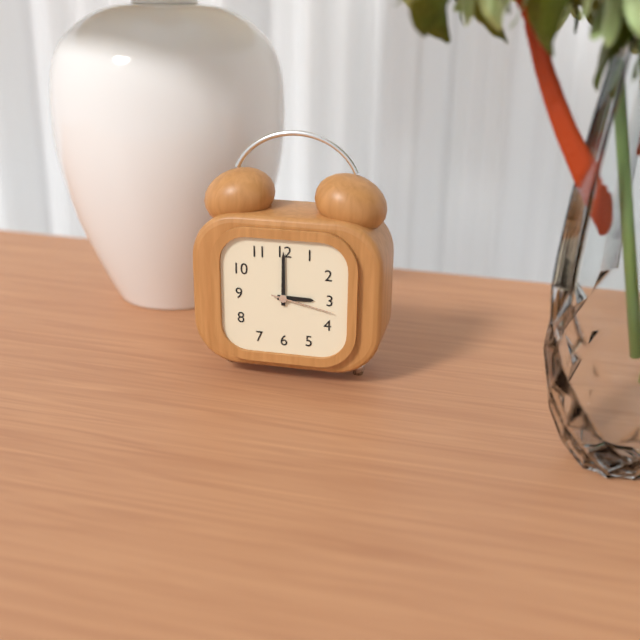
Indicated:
3.00.17
